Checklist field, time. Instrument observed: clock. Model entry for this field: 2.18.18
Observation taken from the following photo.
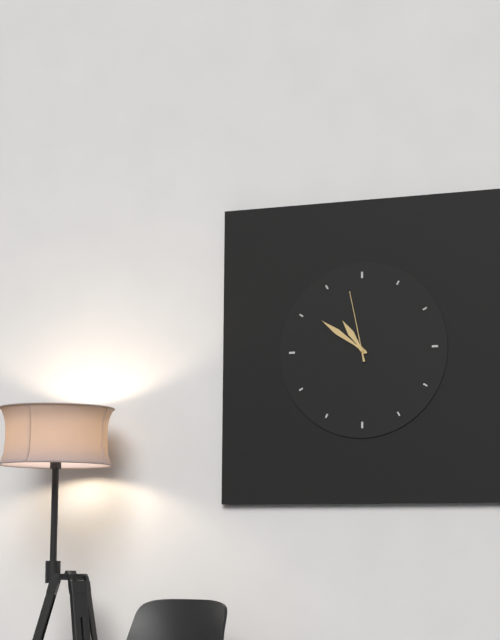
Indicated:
10.51.58
